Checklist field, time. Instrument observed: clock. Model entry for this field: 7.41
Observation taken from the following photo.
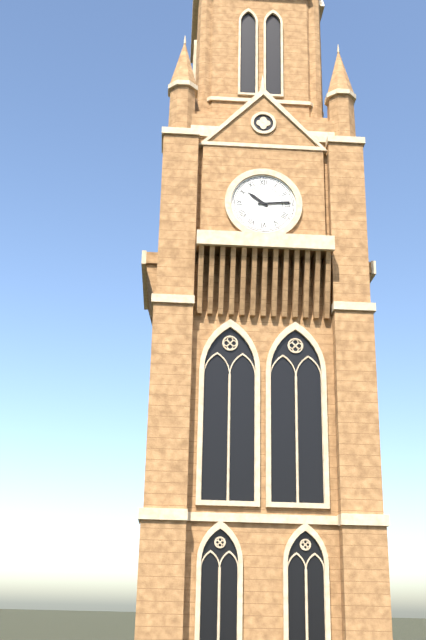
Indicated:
10.14
